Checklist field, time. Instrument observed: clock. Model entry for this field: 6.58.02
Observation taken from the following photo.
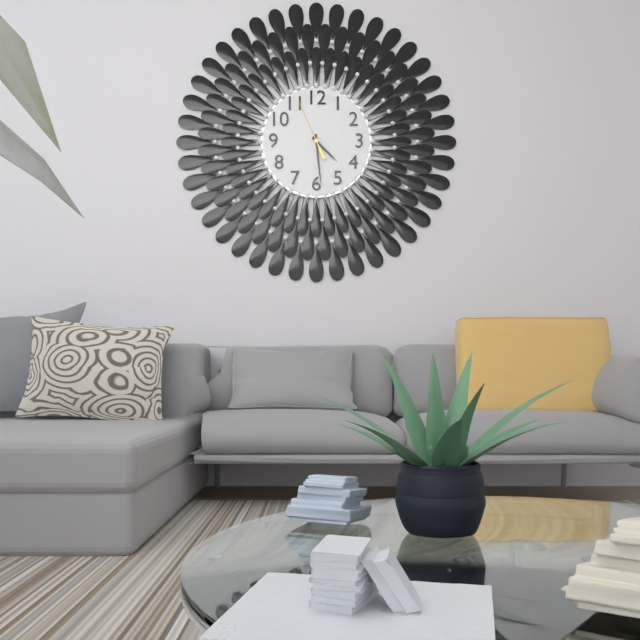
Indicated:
4.29.56
